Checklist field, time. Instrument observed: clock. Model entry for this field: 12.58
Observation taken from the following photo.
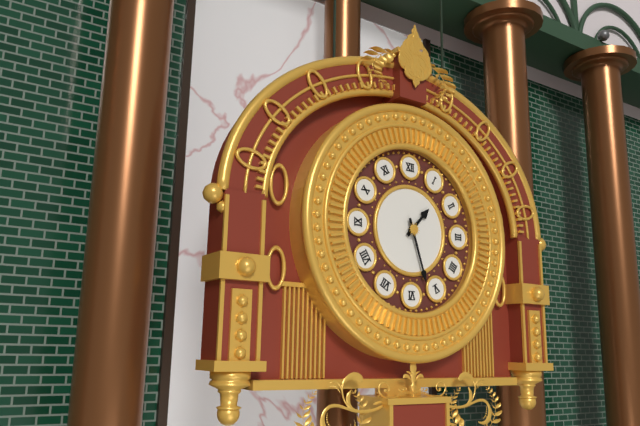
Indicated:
1.27
